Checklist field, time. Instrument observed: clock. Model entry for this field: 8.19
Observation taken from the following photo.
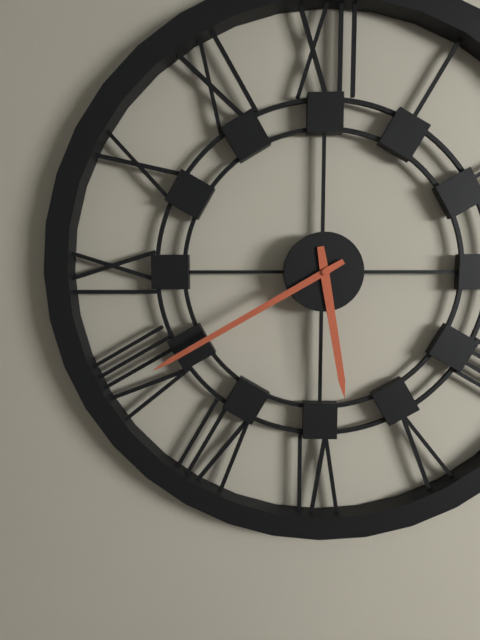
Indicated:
5.40
